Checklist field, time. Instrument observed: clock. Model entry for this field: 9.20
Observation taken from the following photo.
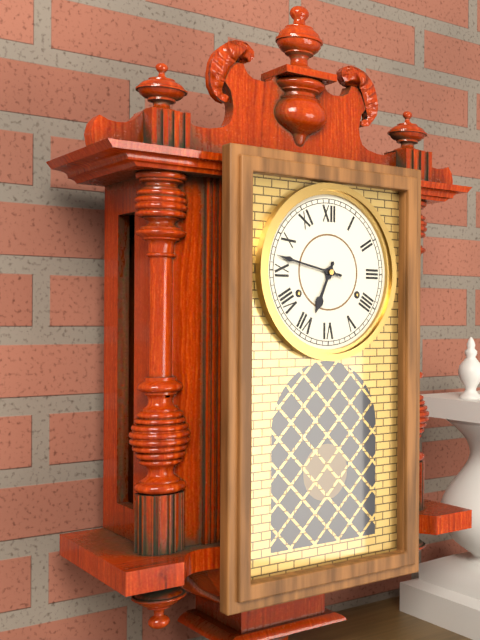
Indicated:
6.47
